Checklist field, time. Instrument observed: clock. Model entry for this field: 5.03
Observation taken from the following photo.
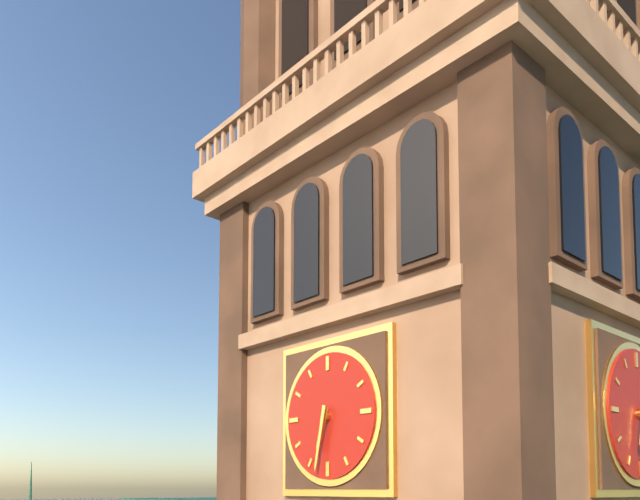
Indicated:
6.32
